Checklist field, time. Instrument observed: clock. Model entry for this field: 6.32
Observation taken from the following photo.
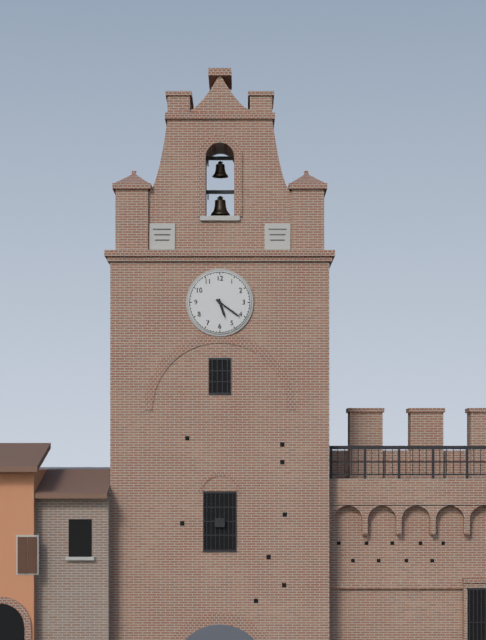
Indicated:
5.21
